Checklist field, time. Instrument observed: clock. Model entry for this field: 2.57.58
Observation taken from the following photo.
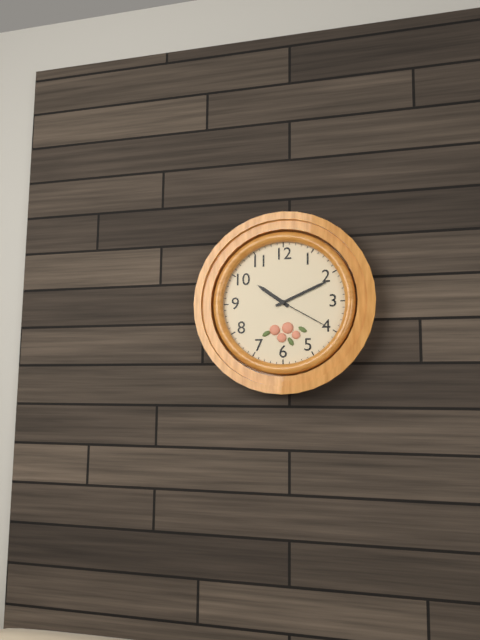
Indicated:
10.11.20
